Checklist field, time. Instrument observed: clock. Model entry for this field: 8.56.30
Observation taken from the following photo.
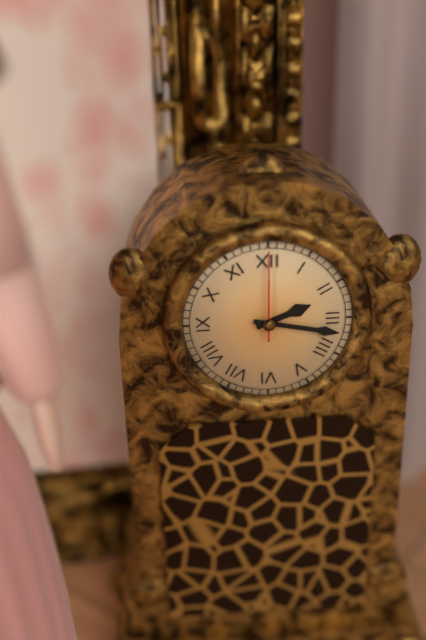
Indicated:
2.17.00
